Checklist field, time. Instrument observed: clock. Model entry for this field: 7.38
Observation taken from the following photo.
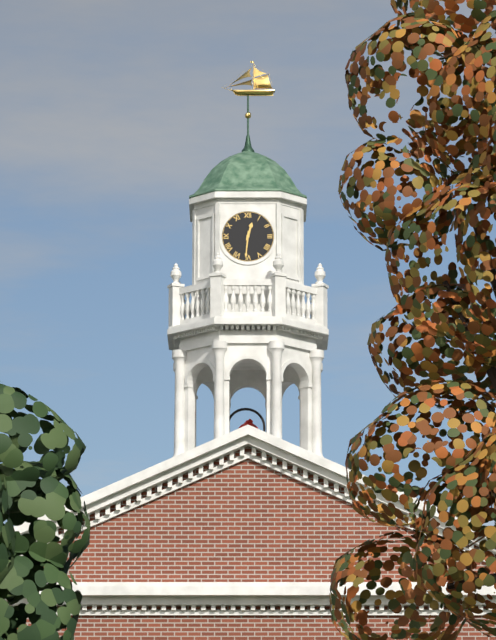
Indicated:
12.31
